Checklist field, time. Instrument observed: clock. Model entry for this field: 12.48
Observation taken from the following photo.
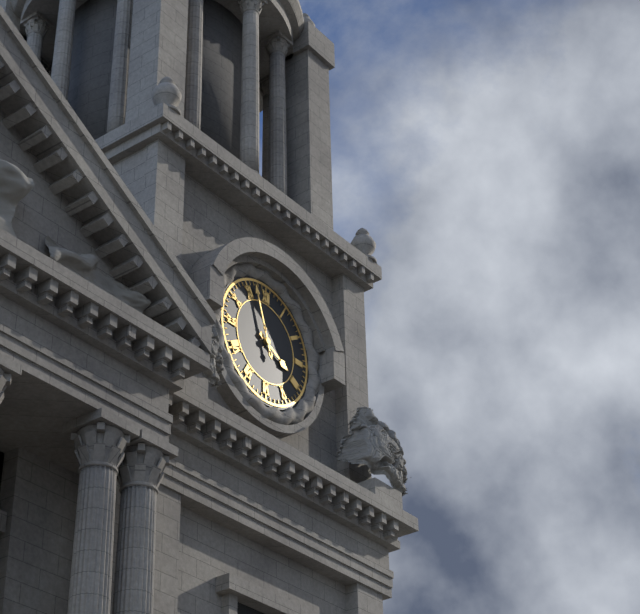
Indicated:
3.57
